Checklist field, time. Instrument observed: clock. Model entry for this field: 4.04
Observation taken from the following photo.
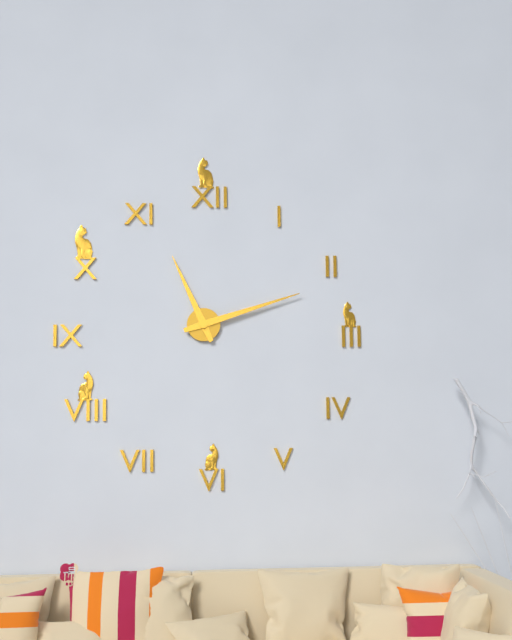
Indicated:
11.12
